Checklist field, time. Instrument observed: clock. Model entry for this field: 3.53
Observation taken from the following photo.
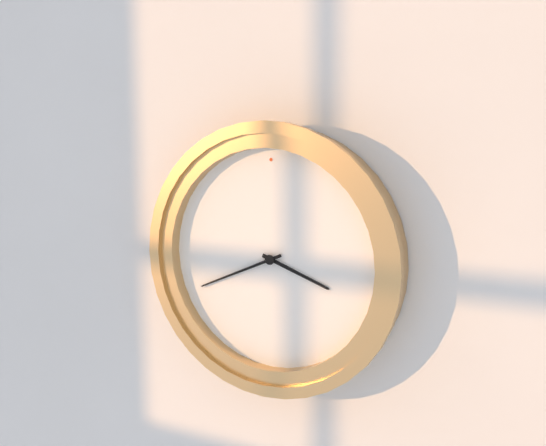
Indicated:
3.41
